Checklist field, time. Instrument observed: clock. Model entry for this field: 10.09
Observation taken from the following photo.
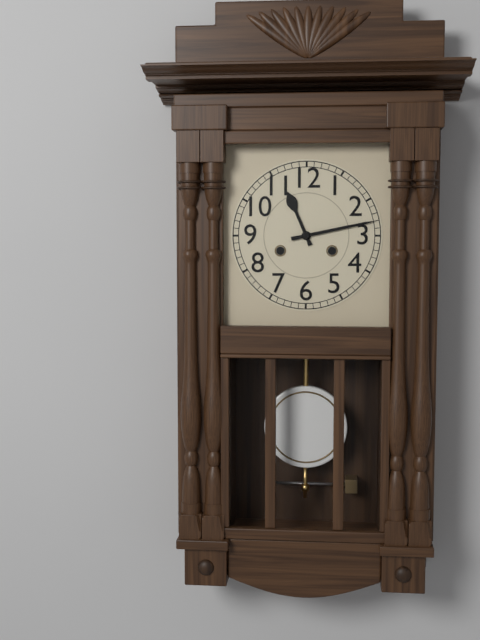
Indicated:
11.13
